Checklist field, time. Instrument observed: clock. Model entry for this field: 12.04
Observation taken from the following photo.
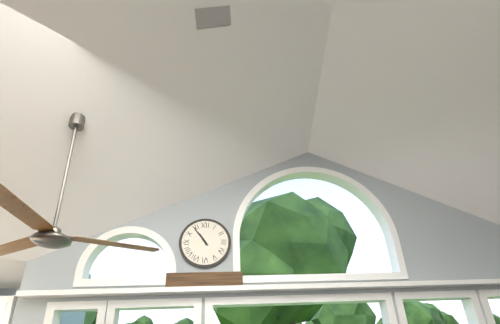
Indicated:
10.54
